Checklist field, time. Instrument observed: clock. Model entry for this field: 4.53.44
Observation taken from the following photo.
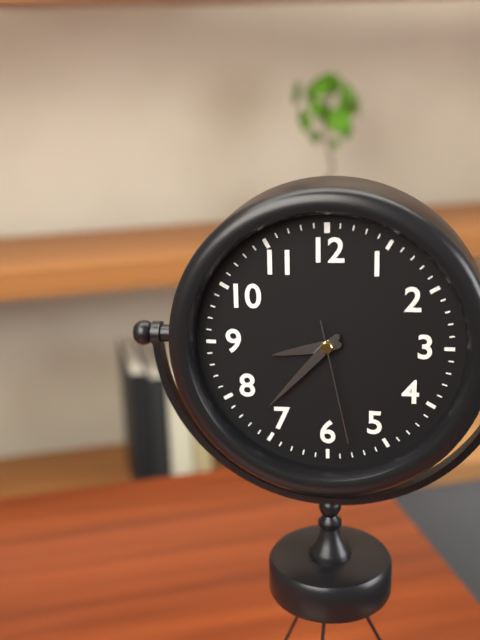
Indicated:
8.37.28
